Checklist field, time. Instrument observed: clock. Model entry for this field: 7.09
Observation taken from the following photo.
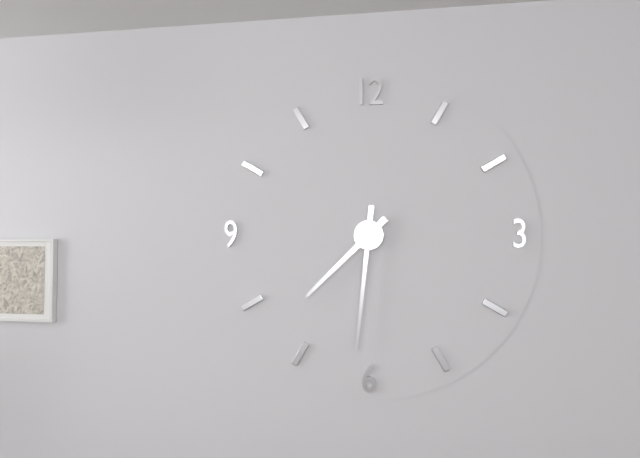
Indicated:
7.31
